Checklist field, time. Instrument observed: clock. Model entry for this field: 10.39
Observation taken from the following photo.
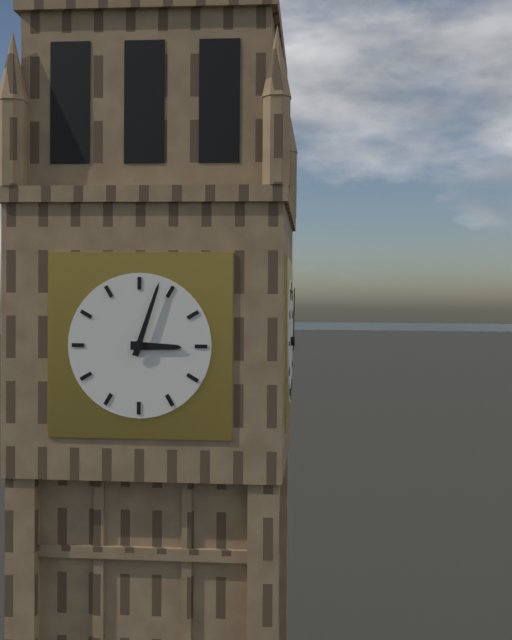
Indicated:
3.03
